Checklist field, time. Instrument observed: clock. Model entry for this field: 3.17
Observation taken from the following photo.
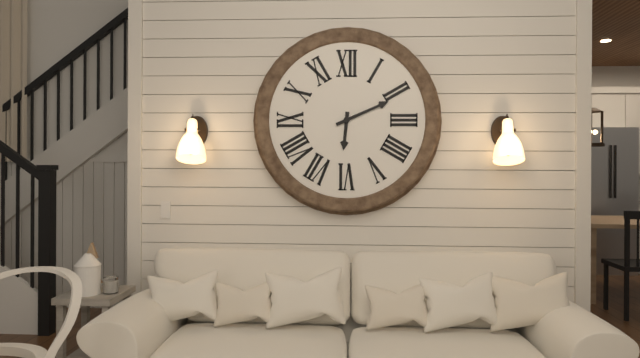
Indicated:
6.11
